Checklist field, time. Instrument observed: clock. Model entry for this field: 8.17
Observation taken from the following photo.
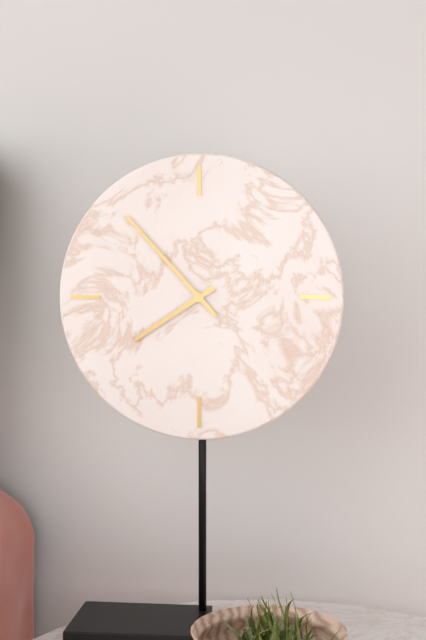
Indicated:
7.53
